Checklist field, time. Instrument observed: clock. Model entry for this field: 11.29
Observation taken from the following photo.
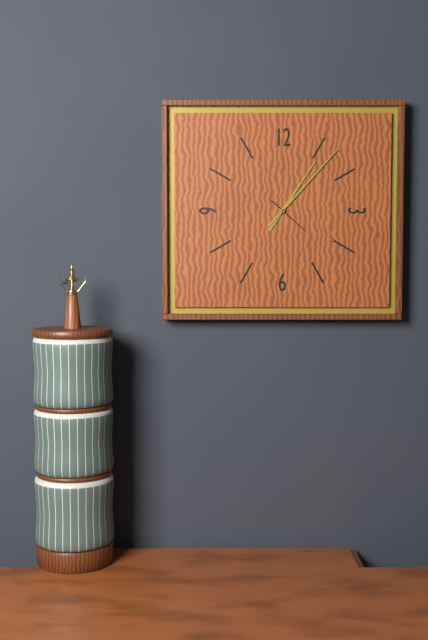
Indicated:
1.07
